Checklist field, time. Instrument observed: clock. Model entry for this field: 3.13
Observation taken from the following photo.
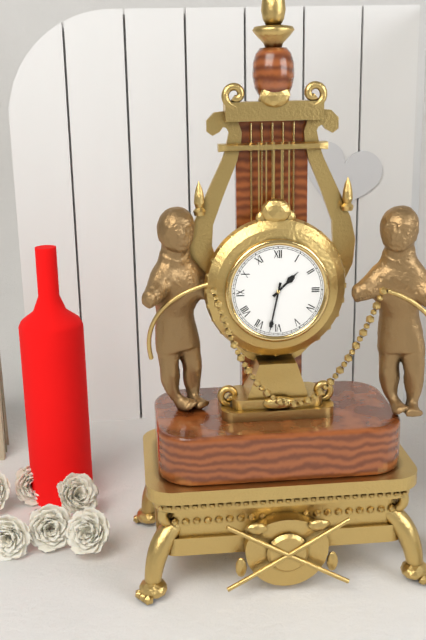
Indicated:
1.32
